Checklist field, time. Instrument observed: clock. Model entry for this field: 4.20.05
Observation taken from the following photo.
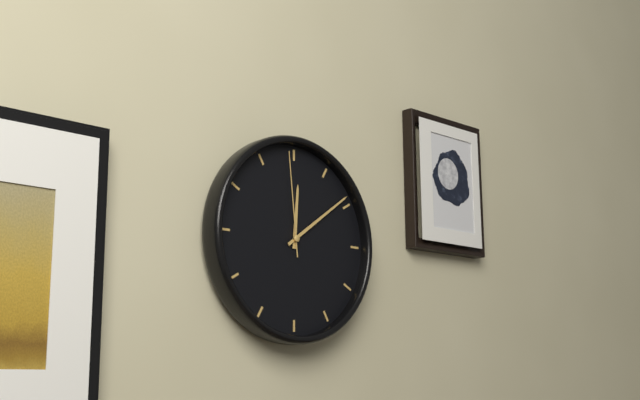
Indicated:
12.09.59
